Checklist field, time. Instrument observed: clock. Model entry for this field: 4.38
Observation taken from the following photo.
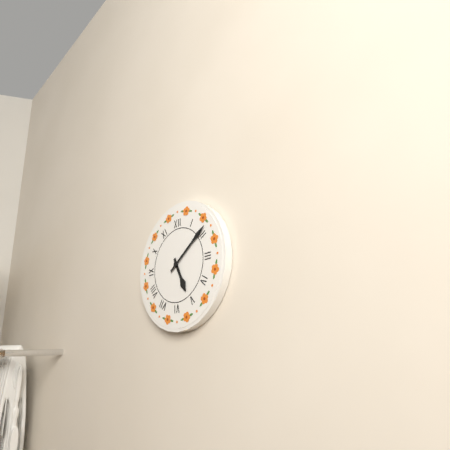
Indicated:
5.09
